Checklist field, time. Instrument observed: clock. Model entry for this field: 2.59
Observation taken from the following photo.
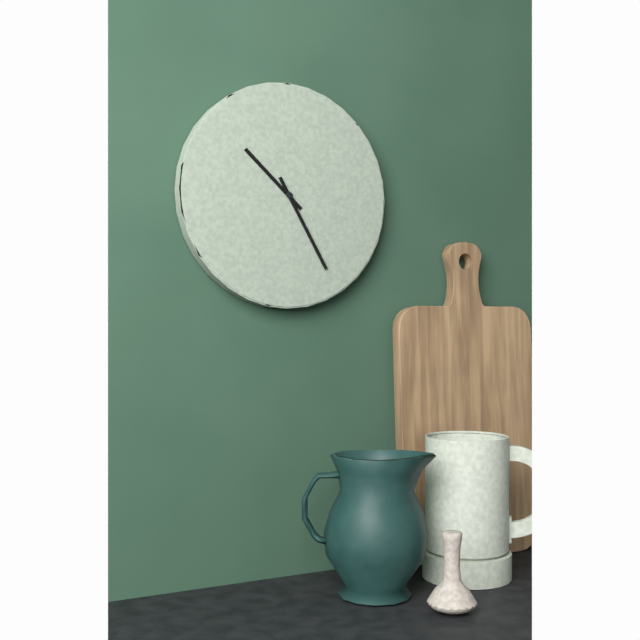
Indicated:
10.25
